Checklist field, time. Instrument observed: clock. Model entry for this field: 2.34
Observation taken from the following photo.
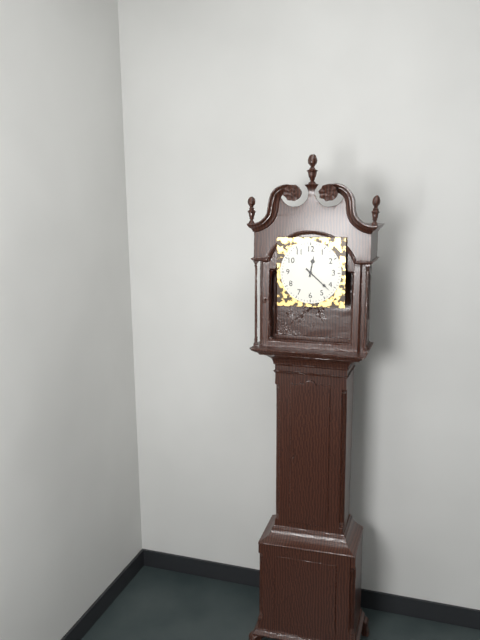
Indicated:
12.22
